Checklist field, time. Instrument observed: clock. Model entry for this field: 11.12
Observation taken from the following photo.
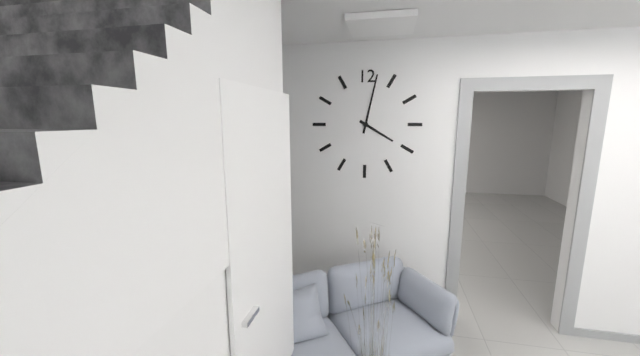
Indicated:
4.02
